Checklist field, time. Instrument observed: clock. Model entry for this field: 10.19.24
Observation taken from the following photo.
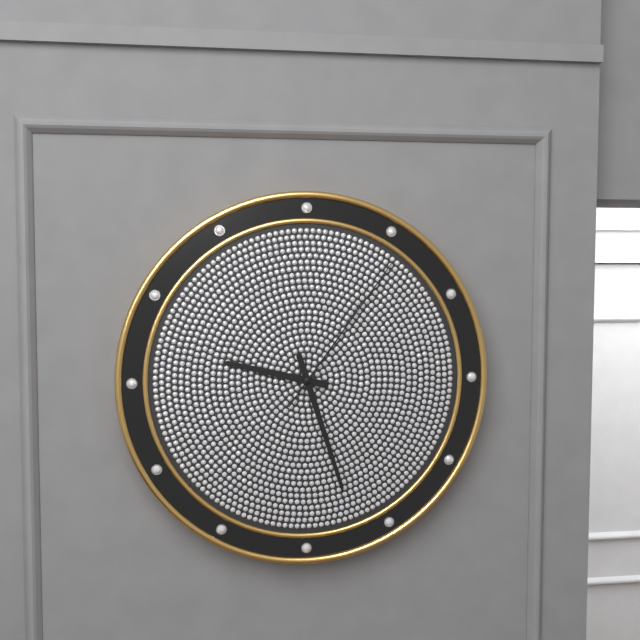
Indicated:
9.27.06
